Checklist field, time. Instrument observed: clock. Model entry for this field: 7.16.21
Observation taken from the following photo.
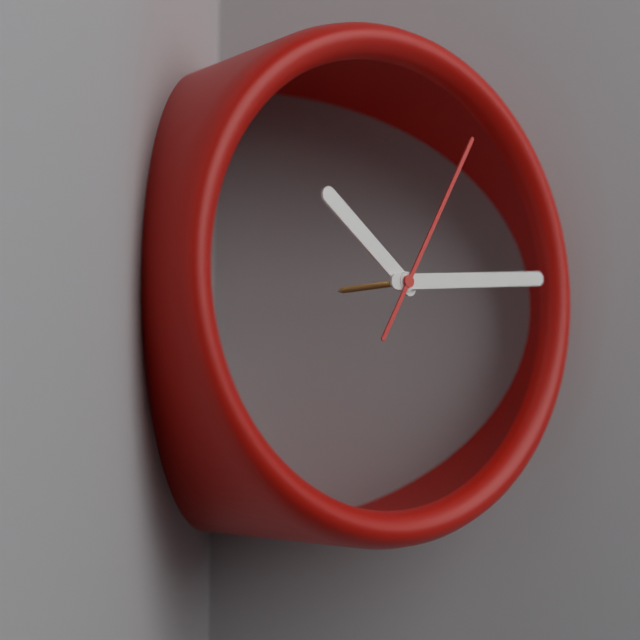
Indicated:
10.14.05
